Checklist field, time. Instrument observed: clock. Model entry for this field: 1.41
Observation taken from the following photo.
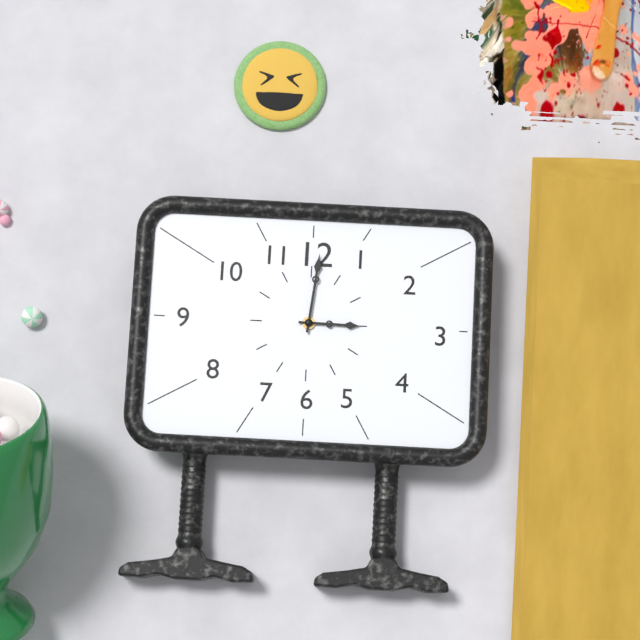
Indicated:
3.01
